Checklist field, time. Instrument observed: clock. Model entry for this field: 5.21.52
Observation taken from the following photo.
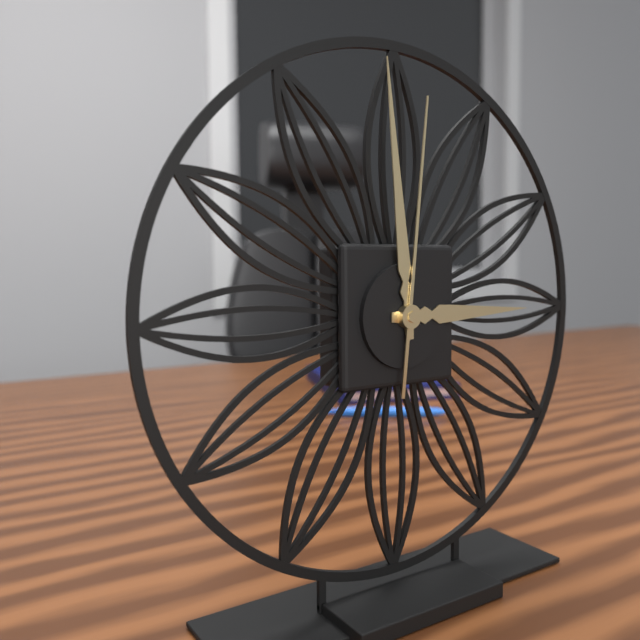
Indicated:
2.59.01
